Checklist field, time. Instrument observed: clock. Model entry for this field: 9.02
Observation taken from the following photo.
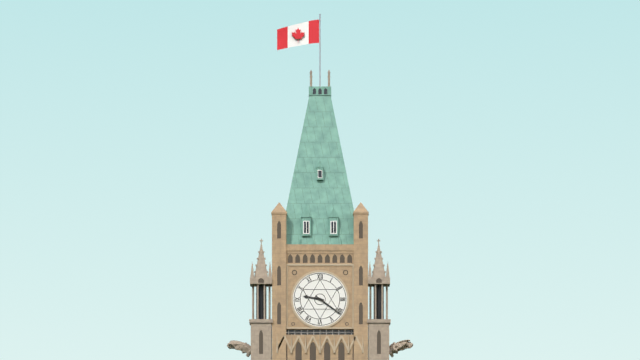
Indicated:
9.21
